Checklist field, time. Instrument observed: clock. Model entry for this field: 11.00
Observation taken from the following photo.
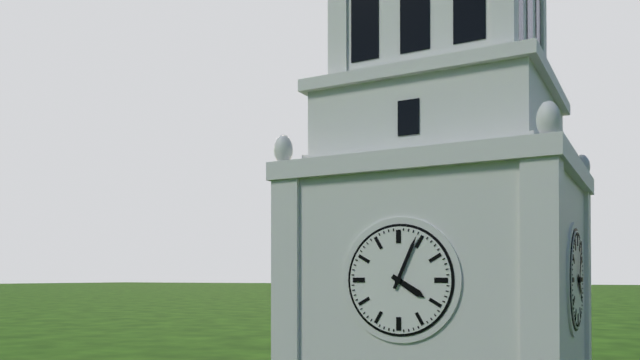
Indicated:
4.04
